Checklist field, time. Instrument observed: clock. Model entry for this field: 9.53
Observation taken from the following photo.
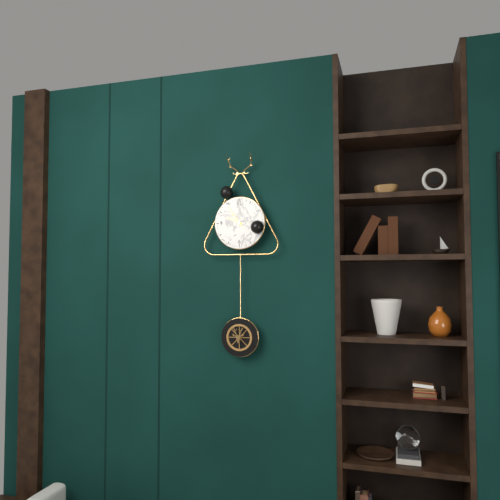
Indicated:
9.54
